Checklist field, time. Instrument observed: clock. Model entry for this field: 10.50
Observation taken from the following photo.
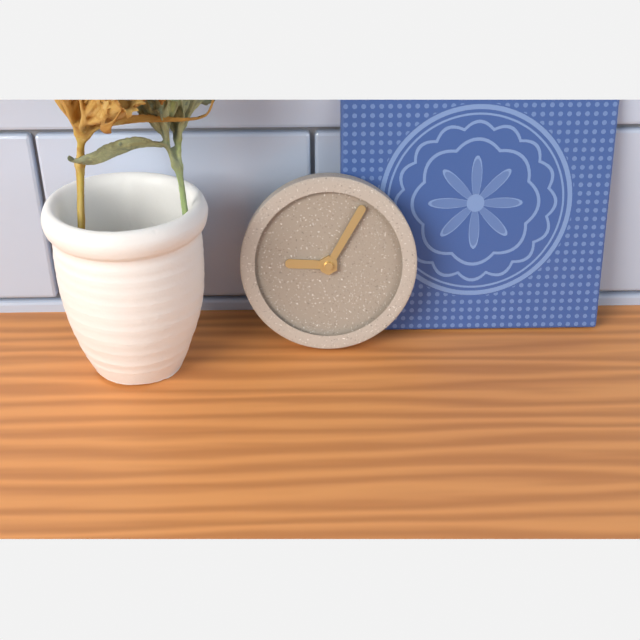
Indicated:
9.05
